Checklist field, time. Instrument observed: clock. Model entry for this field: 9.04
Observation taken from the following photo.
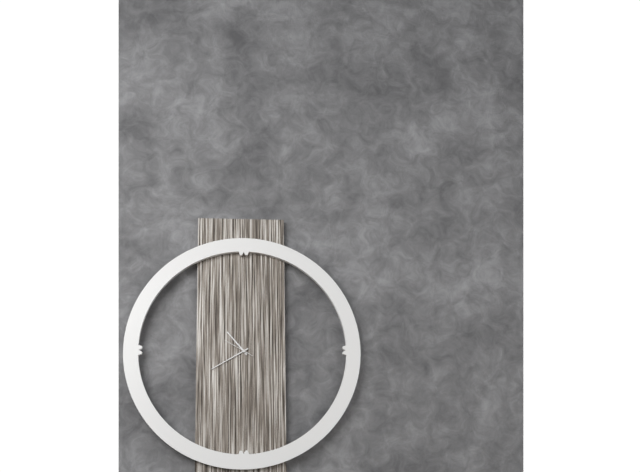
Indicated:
10.40
